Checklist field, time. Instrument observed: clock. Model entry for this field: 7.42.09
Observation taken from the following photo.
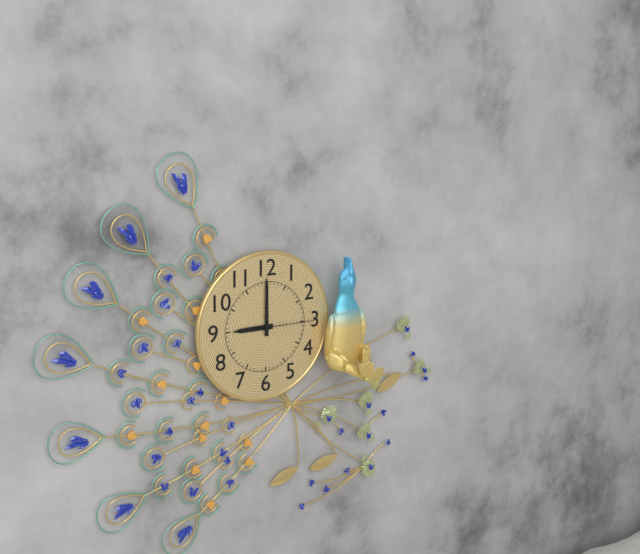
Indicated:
9.00.15
